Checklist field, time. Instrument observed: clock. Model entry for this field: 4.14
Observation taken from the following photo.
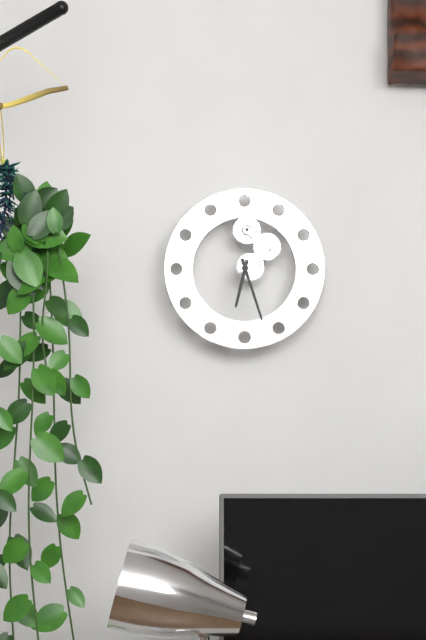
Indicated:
6.27
